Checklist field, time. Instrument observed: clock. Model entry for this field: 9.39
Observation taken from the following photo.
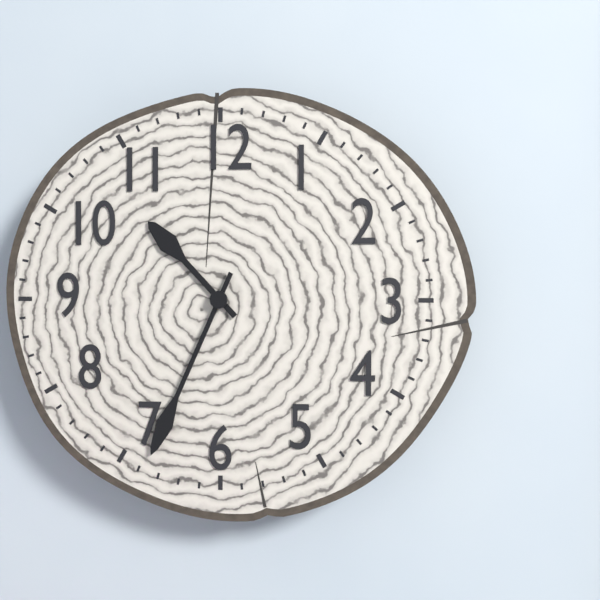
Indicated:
10.34
